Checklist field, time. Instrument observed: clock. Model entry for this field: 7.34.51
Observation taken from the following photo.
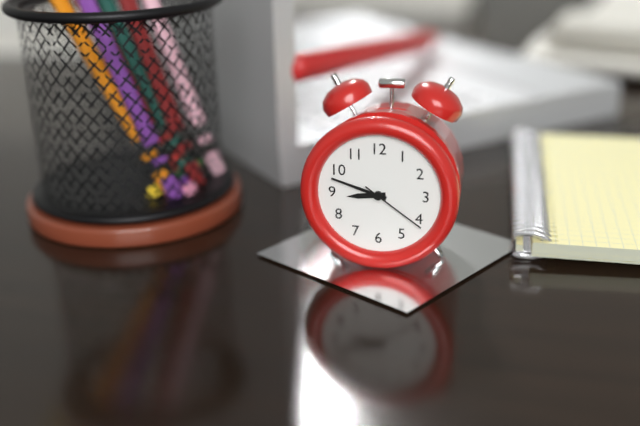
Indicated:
8.48.21
